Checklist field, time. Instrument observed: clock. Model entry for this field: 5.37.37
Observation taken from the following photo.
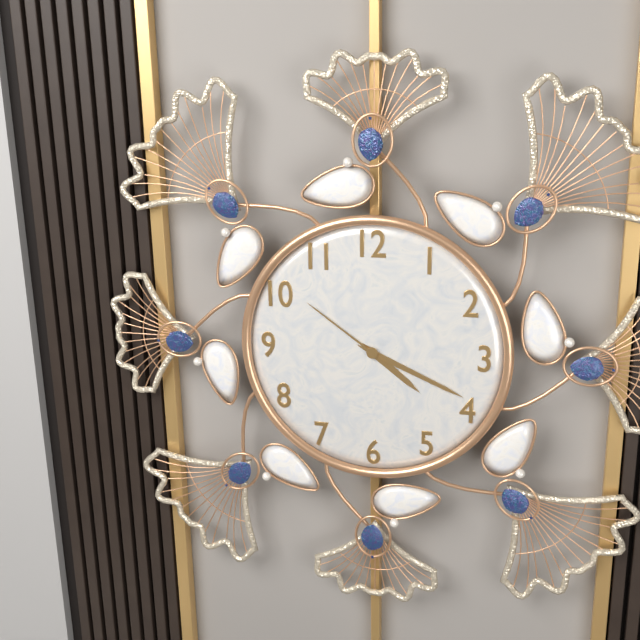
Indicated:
4.19.51
